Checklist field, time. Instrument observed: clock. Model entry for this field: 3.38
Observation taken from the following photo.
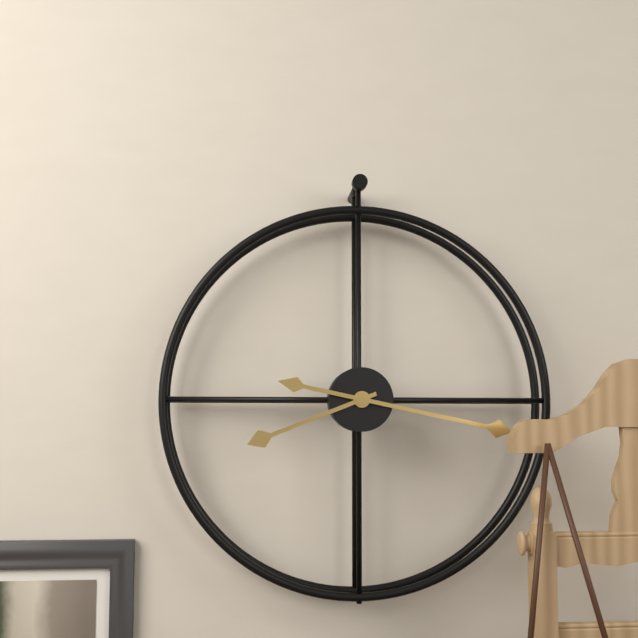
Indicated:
8.17
